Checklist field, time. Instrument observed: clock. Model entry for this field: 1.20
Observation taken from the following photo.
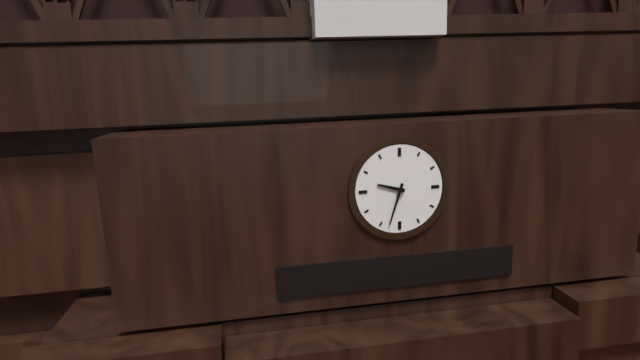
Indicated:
9.33
